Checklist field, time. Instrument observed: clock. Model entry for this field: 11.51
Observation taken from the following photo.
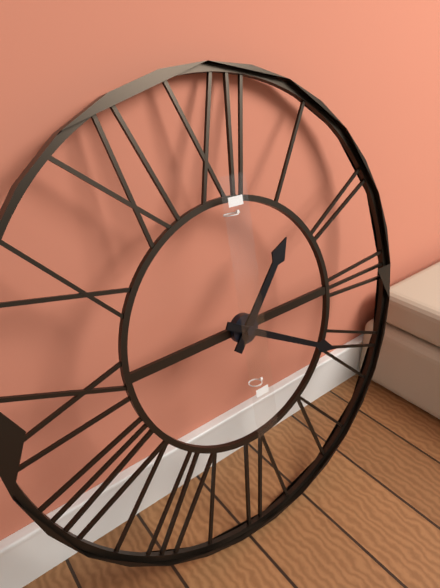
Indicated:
1.20
